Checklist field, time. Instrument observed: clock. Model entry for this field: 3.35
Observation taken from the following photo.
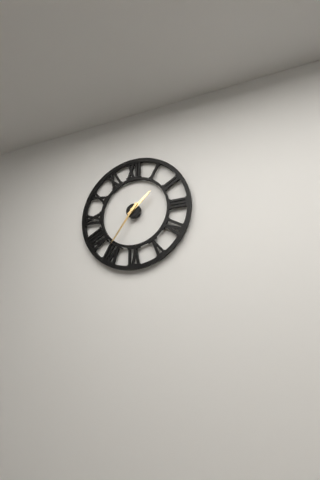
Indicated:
1.36
